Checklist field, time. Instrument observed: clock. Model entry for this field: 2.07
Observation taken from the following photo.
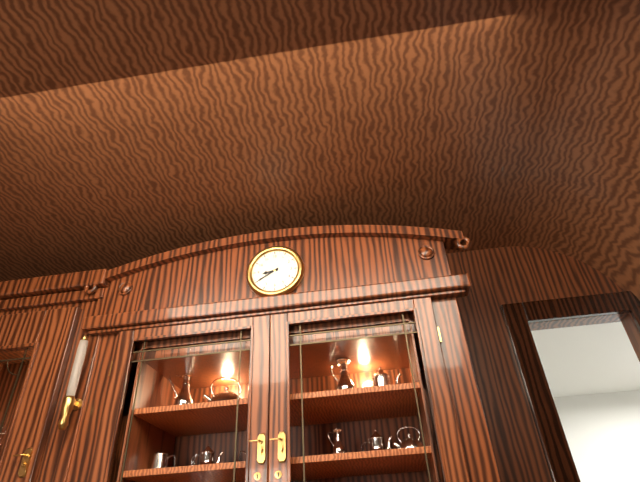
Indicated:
8.40
